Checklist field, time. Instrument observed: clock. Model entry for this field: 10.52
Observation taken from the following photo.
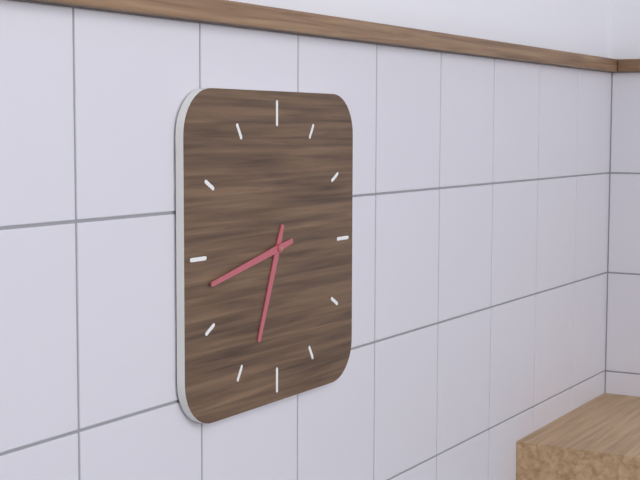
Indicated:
6.43
